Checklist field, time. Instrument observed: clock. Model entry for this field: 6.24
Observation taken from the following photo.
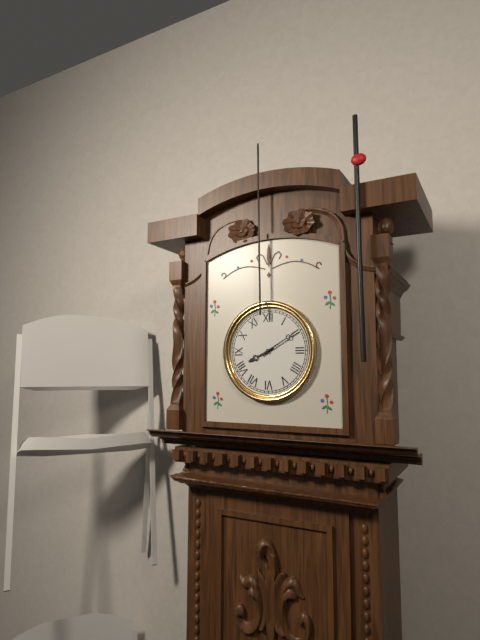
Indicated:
8.10
